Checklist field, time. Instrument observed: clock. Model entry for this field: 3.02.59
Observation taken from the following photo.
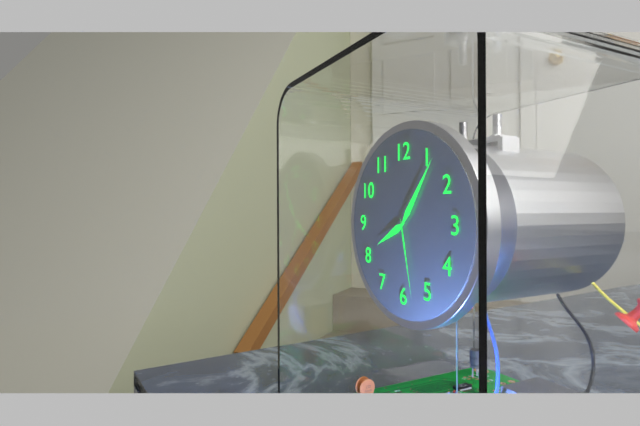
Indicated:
8.06.28
